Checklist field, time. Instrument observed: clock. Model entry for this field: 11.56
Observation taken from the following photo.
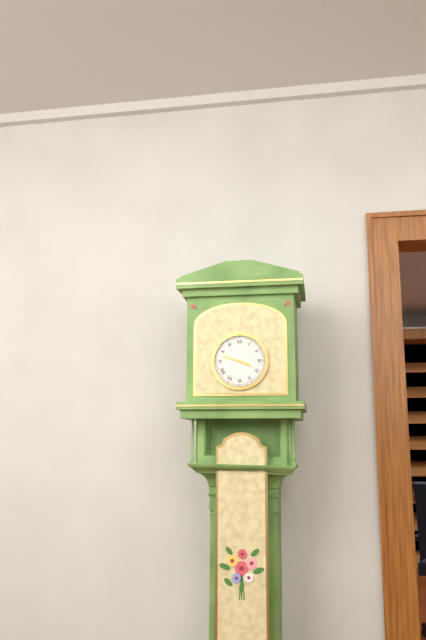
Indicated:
3.48
